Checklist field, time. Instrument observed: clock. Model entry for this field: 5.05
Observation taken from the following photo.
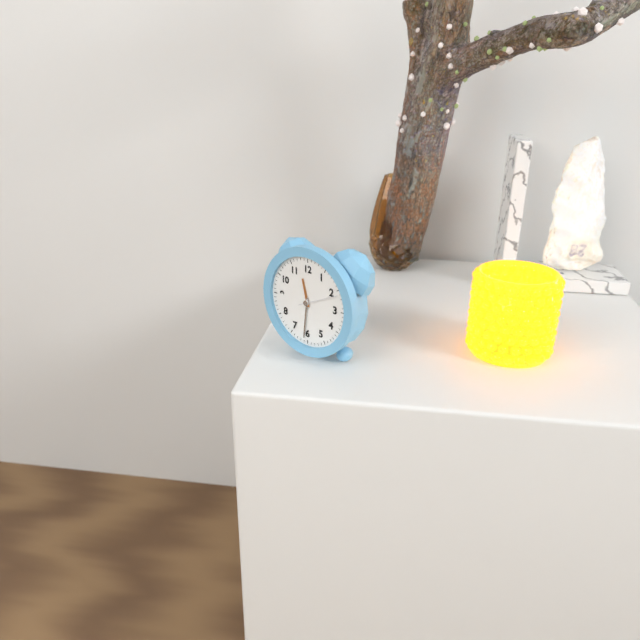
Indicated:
11.31
